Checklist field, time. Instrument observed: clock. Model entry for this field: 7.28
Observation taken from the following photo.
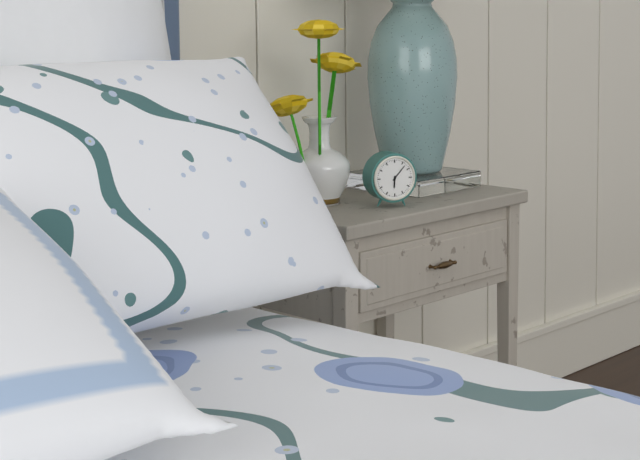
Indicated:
6.07
